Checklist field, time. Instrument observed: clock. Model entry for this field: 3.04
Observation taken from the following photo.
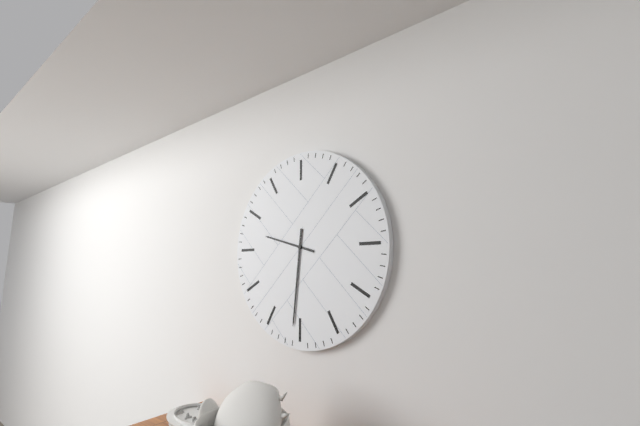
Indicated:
9.31
